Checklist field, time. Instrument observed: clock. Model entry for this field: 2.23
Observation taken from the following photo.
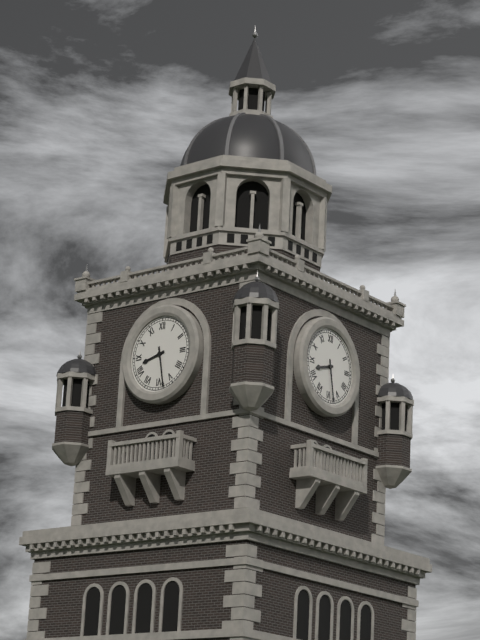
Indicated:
8.28
